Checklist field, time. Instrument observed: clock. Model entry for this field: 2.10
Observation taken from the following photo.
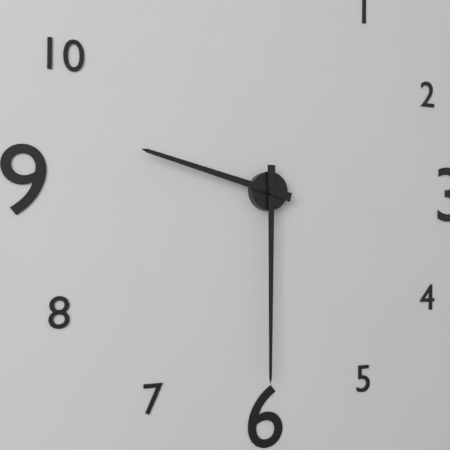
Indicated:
9.30
